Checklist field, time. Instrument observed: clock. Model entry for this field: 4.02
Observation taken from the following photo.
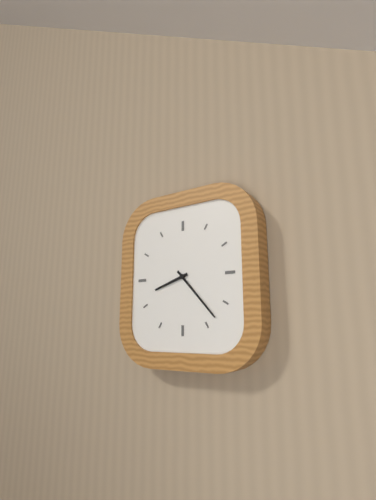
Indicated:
8.23
